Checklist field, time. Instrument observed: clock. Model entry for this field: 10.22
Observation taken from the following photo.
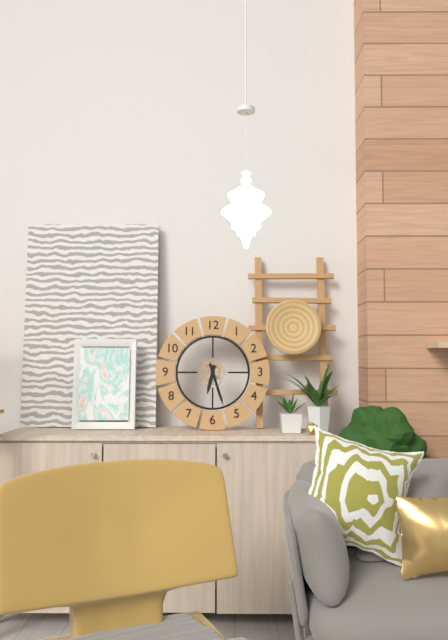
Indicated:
6.27
